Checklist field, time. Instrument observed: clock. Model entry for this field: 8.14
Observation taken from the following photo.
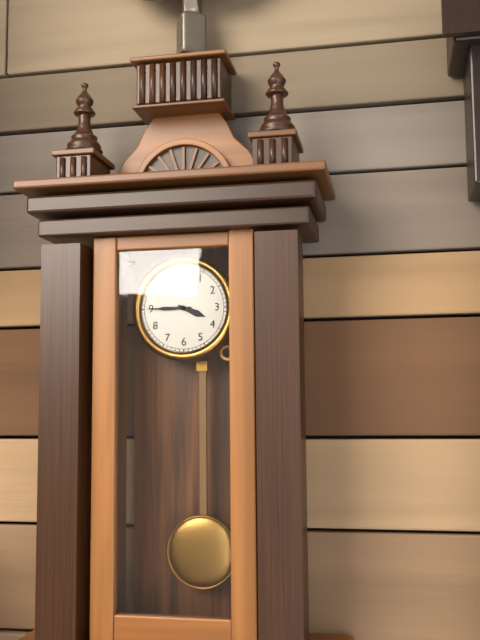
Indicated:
3.45
